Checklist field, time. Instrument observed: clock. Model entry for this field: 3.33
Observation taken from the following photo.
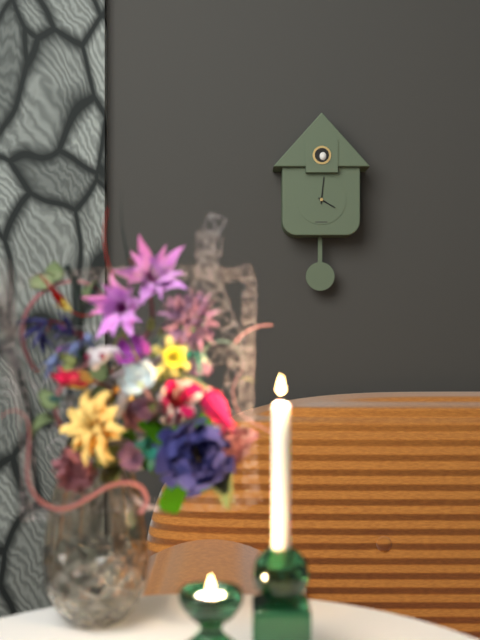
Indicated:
4.01
